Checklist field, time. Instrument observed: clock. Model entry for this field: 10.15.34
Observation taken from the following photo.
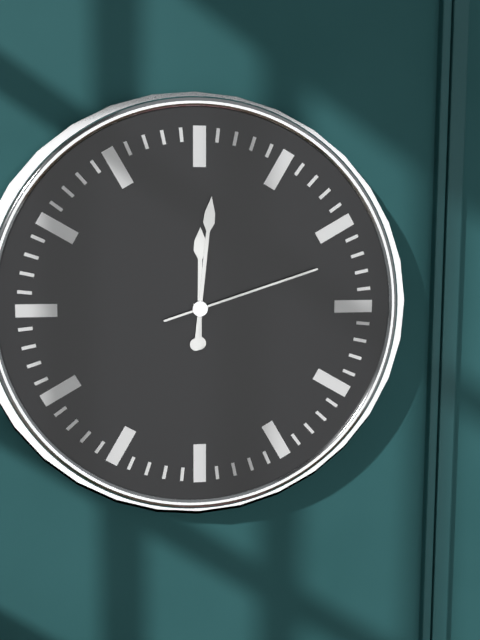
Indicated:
12.01.12
